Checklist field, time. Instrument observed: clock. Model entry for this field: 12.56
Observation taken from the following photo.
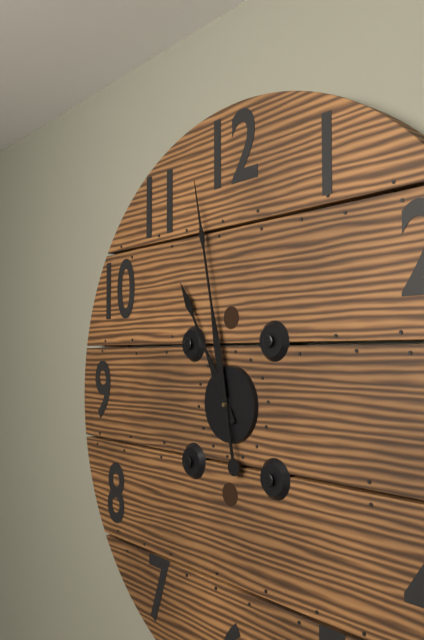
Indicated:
10.58
